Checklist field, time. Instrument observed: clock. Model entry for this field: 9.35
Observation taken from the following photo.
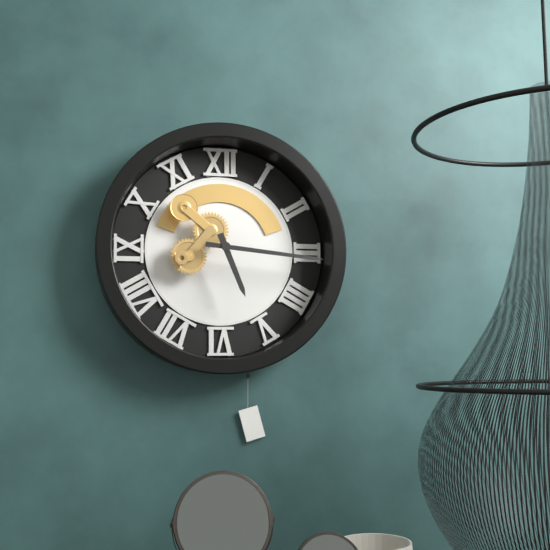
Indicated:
5.16
